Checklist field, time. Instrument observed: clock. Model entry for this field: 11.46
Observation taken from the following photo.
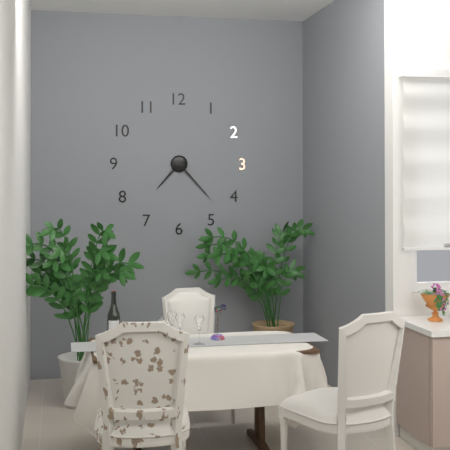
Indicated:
7.23
